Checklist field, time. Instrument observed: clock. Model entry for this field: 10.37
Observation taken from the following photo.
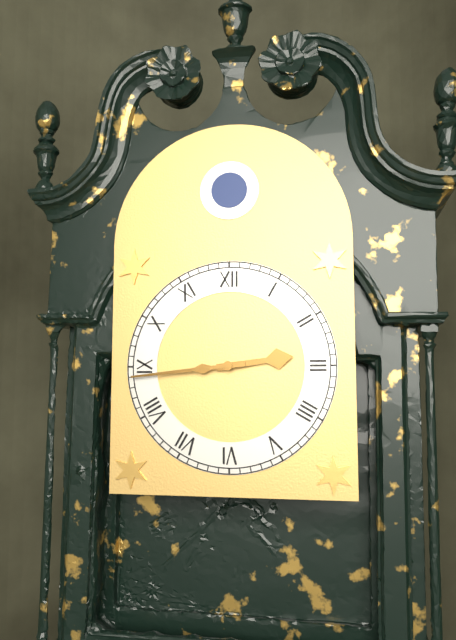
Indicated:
2.44
